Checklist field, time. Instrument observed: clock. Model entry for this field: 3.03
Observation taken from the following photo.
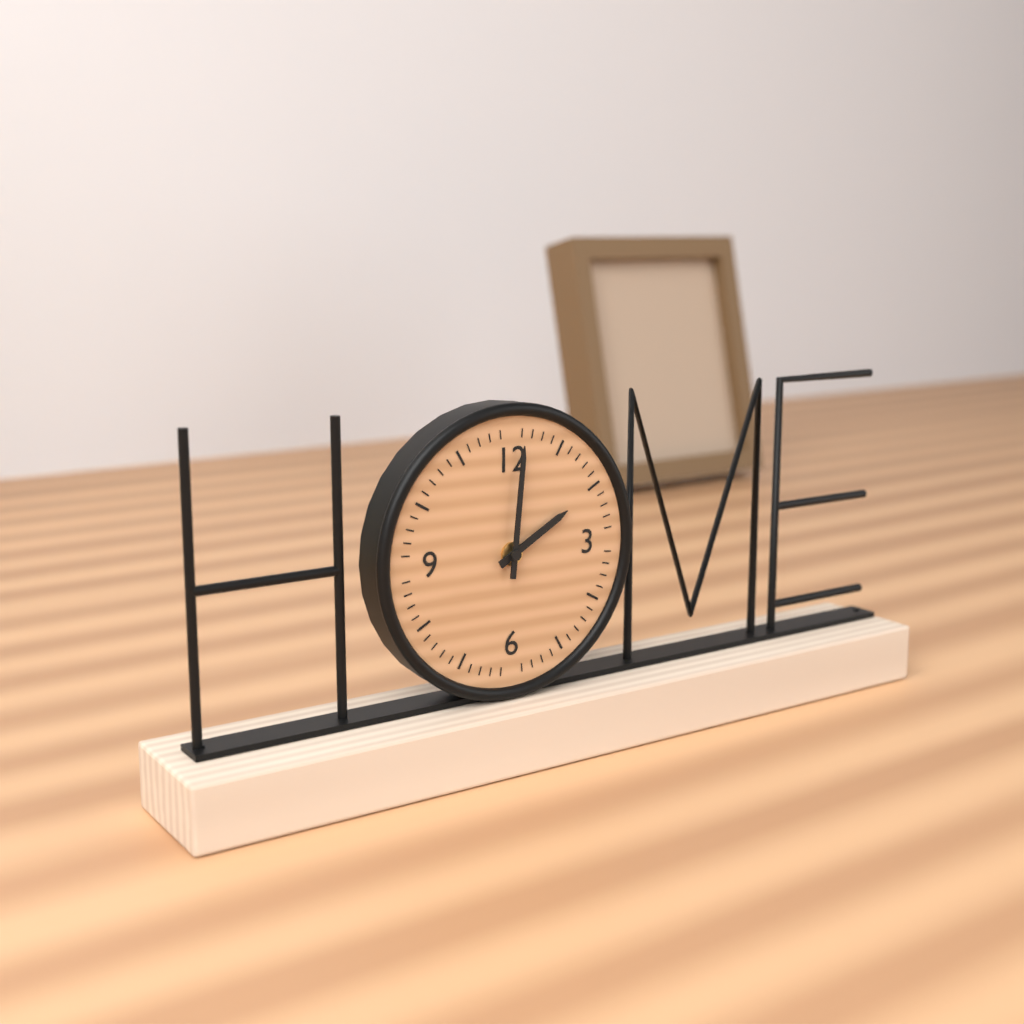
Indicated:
2.01
